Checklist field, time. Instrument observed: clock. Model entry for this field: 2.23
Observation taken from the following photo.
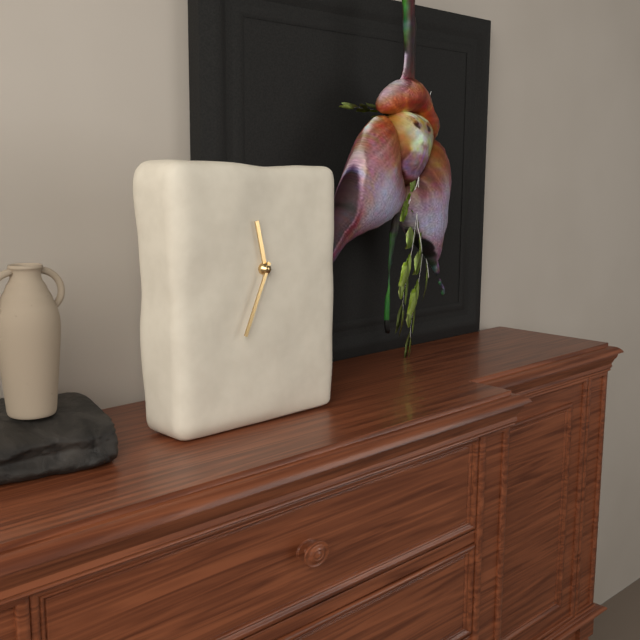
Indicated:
11.34
